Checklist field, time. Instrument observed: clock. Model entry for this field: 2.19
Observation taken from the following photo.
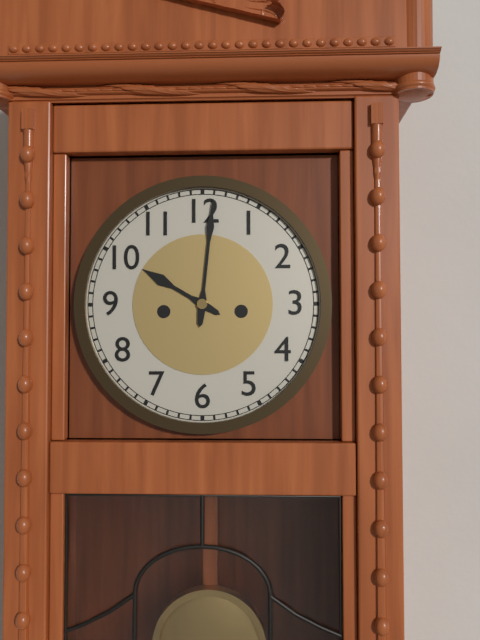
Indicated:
10.01
